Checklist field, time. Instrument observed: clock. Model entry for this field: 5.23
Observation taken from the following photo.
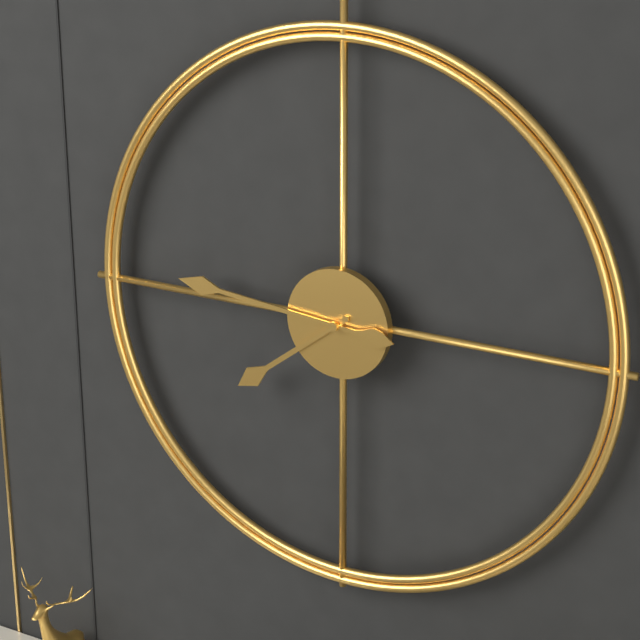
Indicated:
7.46
